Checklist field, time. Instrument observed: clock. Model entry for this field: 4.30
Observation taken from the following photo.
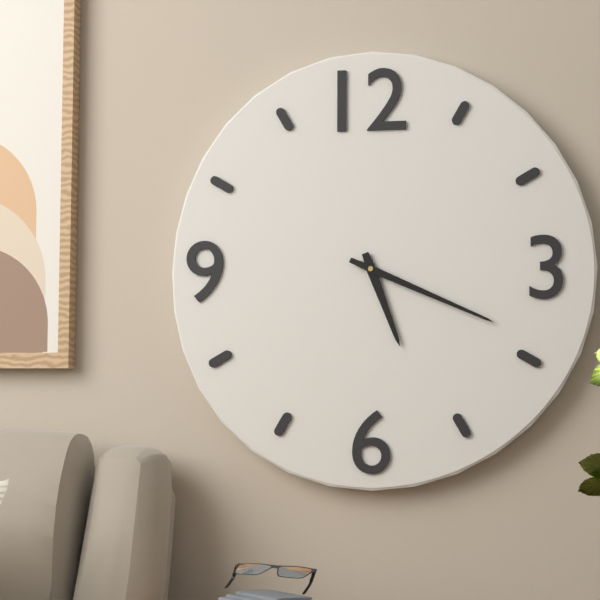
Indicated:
5.19
